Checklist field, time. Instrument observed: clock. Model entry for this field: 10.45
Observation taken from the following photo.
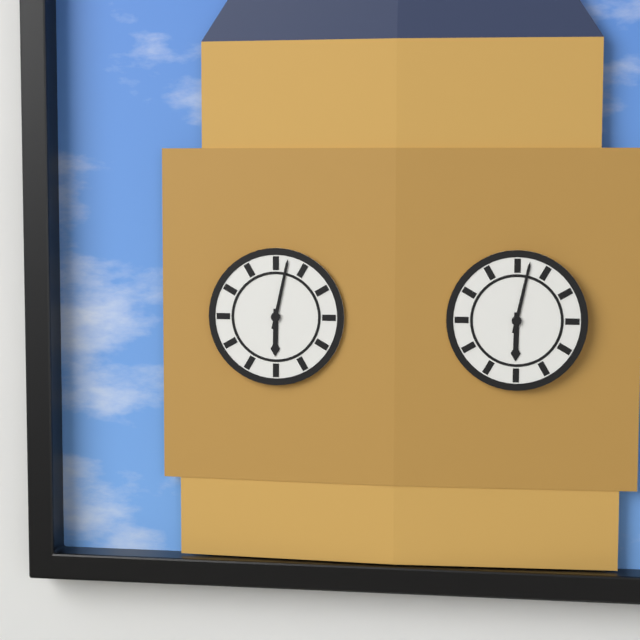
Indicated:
6.02
